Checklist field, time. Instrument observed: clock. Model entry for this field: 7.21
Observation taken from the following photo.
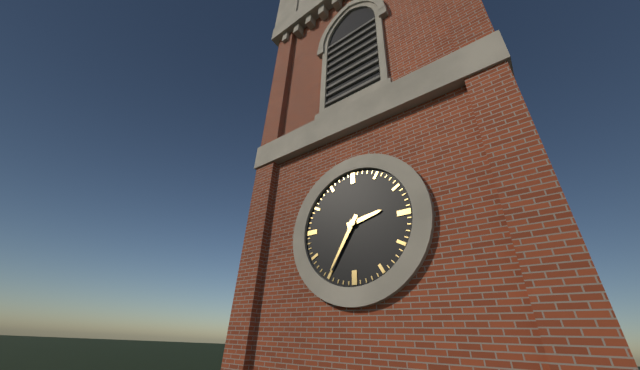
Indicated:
2.35
